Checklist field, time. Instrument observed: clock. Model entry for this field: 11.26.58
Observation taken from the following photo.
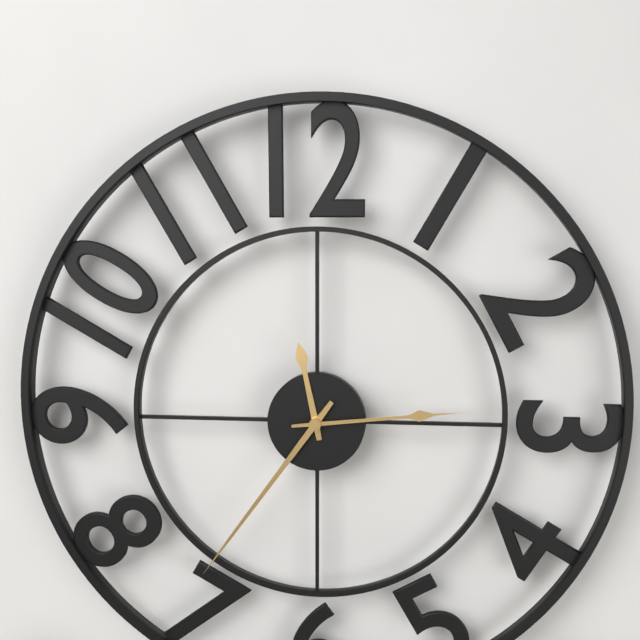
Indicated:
11.36.14
